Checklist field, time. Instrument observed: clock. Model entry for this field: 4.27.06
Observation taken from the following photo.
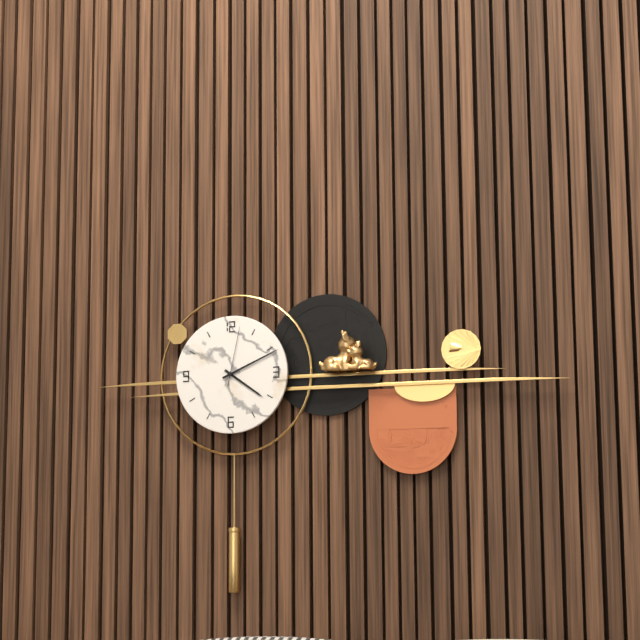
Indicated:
4.11.02
